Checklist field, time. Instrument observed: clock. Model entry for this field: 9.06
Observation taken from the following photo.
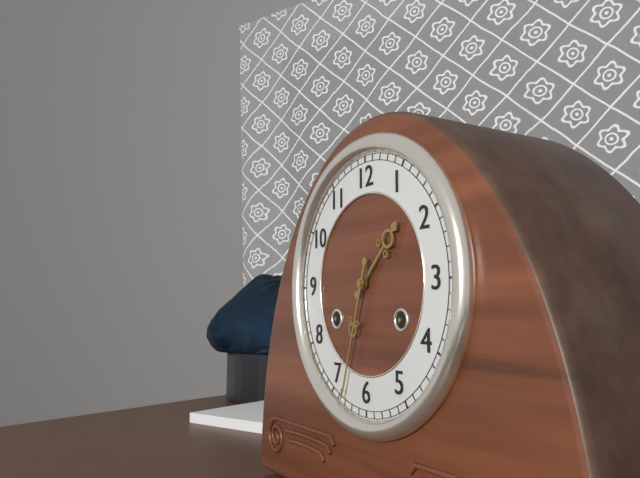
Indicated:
1.33
